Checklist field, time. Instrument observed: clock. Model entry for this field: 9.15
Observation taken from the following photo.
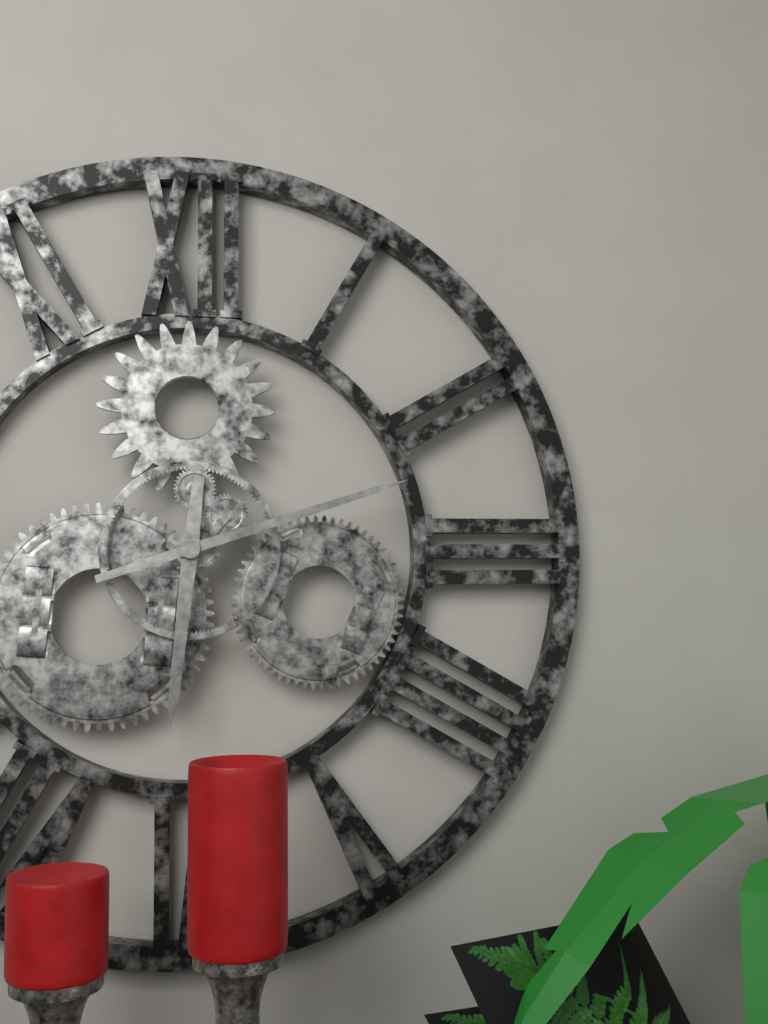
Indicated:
6.12
